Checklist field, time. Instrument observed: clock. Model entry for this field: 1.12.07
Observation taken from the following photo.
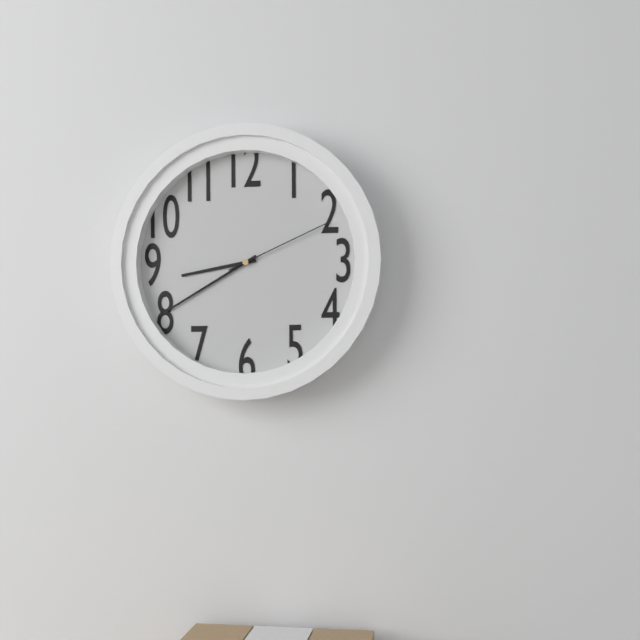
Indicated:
8.40.11
